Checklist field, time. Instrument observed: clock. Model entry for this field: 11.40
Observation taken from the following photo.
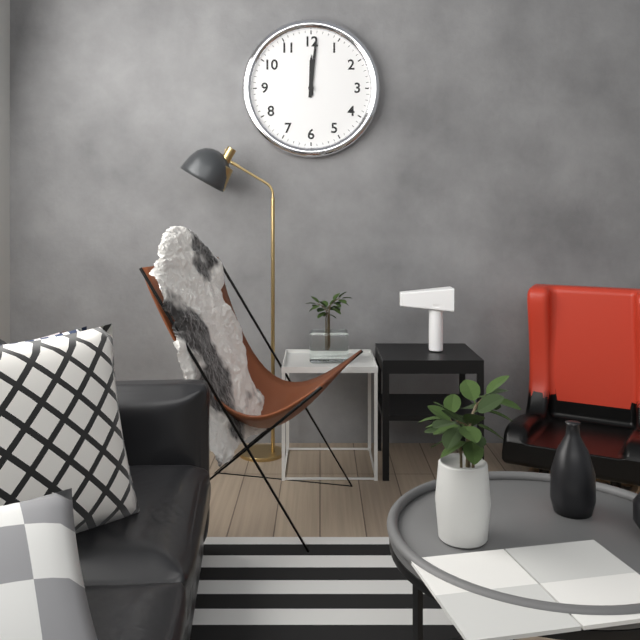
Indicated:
12.01
